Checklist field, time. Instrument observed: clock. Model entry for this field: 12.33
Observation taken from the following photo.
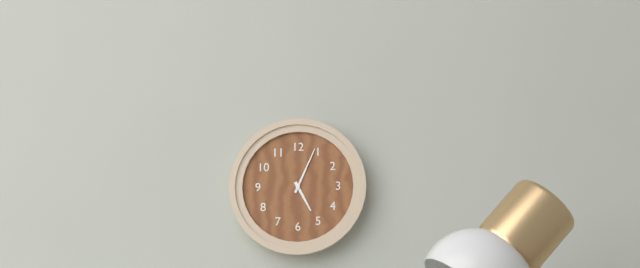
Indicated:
5.04
